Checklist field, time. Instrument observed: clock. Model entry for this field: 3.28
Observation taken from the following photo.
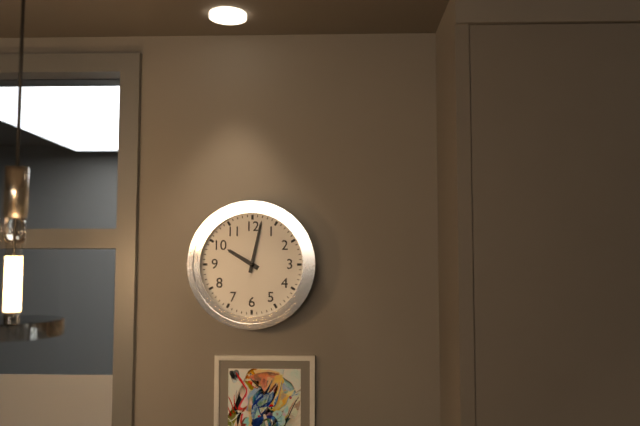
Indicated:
10.02
